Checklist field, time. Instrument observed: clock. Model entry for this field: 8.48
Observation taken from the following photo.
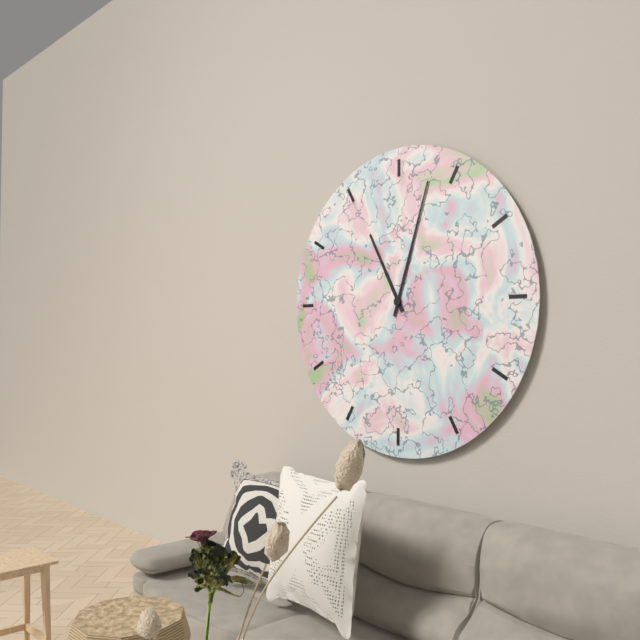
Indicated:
11.03
